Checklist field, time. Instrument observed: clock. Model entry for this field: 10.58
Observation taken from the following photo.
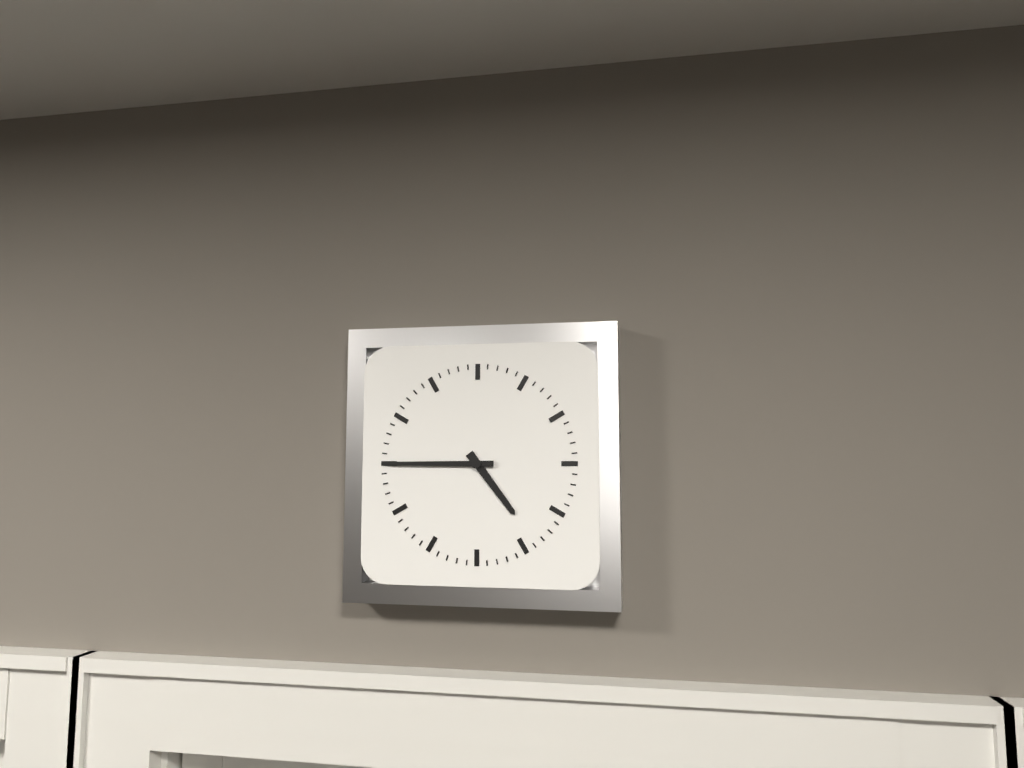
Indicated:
4.45
